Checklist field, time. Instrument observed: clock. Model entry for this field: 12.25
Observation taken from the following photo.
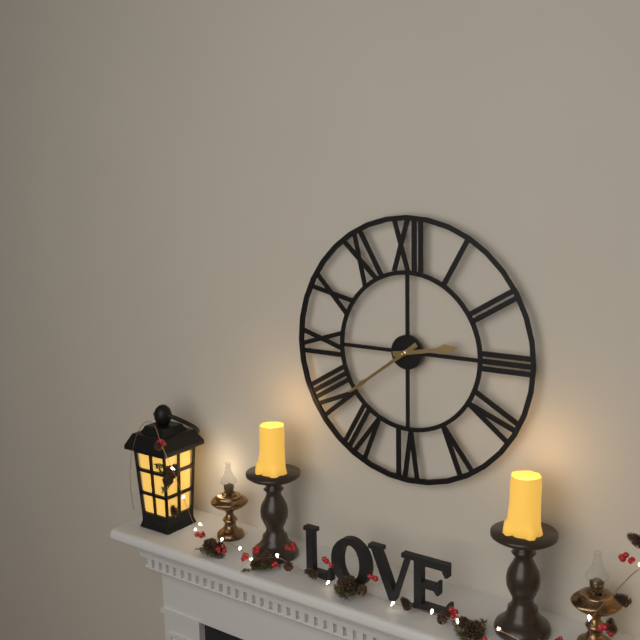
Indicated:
2.39
